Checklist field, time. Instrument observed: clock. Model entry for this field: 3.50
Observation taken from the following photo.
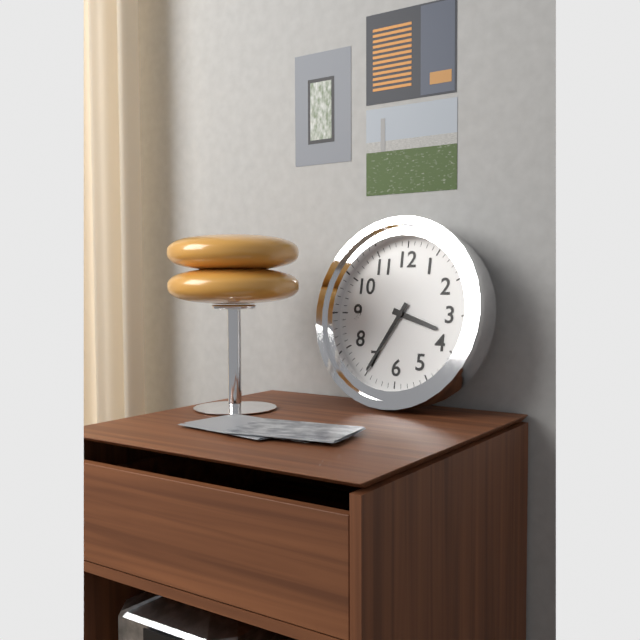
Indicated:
3.35
